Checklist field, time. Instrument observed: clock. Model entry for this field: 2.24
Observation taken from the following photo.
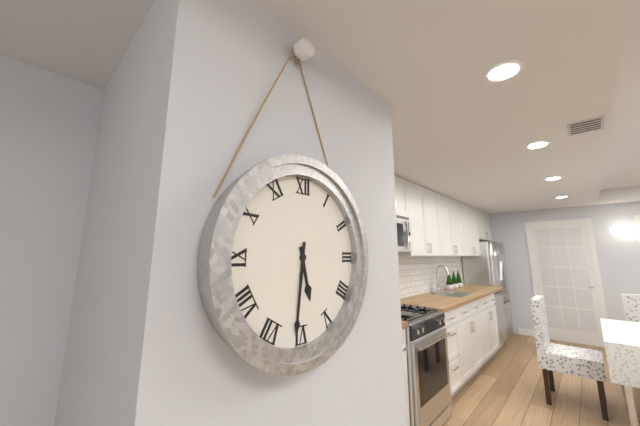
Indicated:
5.31
